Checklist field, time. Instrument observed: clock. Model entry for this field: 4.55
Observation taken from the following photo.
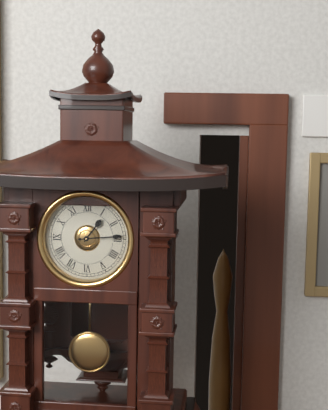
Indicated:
1.14
